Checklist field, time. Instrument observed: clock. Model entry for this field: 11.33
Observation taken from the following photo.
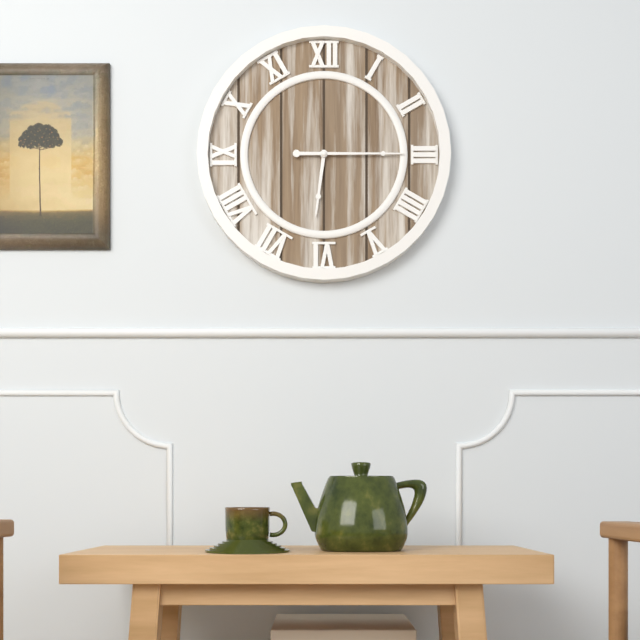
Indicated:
6.15
